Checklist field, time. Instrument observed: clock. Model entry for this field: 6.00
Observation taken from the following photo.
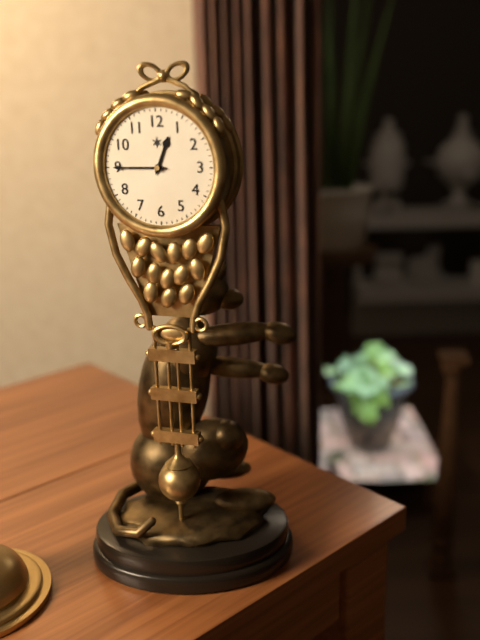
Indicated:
12.45
